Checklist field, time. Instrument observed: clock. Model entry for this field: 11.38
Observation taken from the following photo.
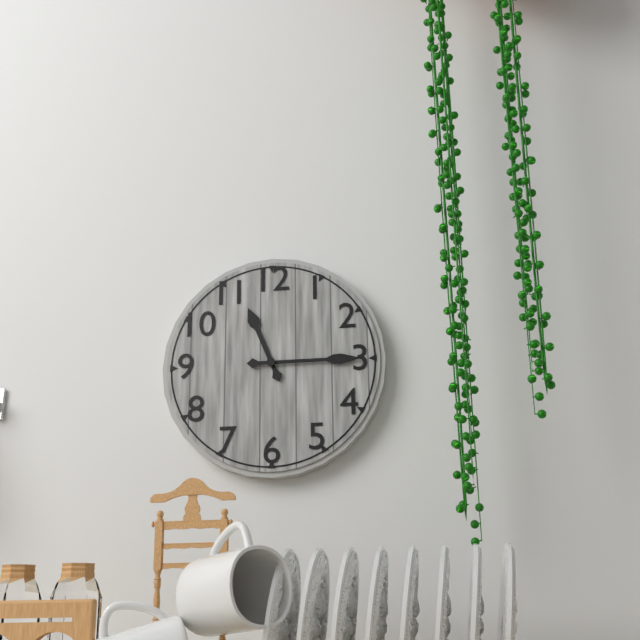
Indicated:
11.15
